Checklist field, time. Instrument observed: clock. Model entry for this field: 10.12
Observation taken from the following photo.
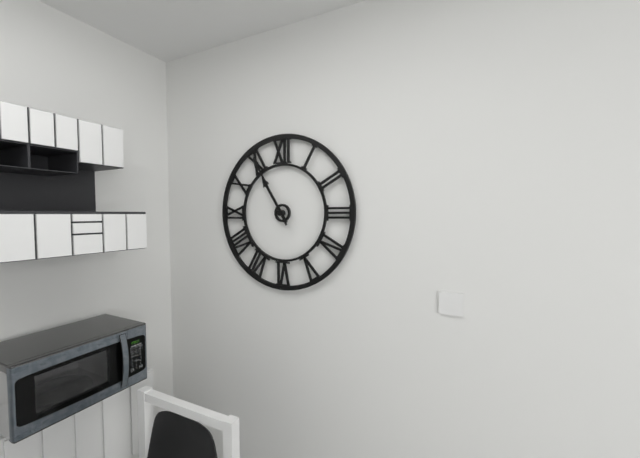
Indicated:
10.55
